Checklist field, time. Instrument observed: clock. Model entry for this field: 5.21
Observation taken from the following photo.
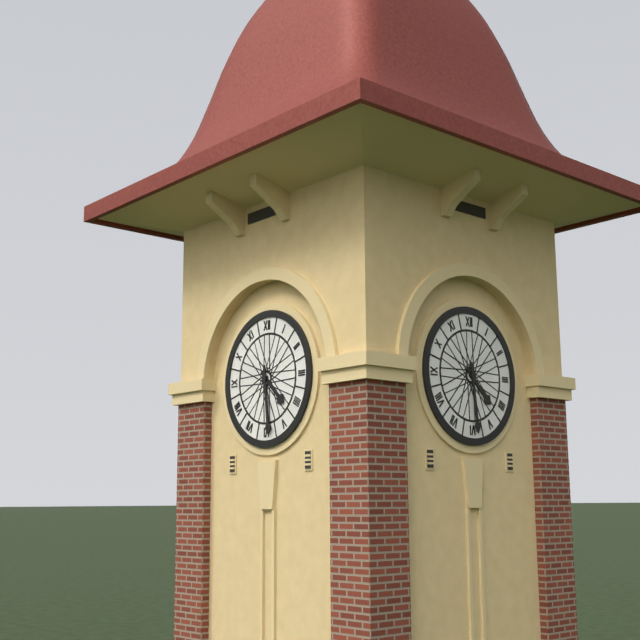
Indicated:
4.29
